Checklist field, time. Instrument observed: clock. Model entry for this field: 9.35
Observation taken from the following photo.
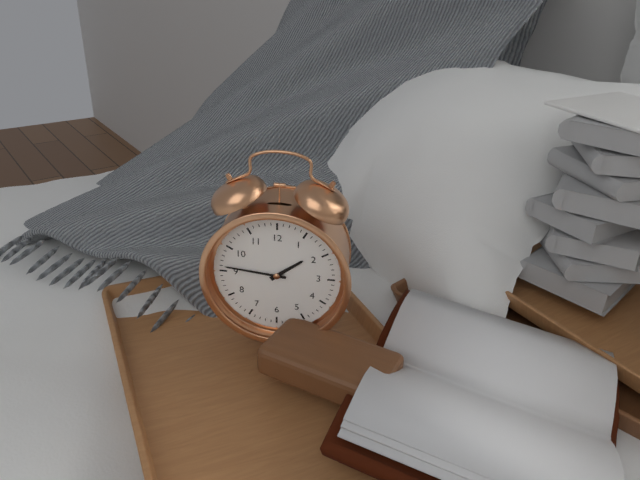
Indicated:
1.46
